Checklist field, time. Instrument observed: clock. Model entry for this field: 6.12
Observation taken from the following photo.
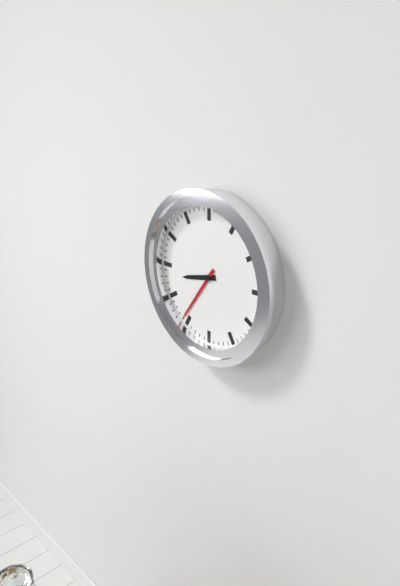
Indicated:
8.36
